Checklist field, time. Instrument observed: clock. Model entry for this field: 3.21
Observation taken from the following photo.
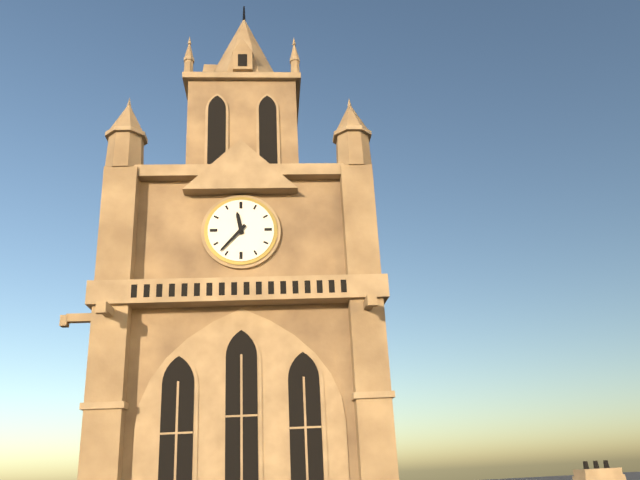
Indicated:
11.37
